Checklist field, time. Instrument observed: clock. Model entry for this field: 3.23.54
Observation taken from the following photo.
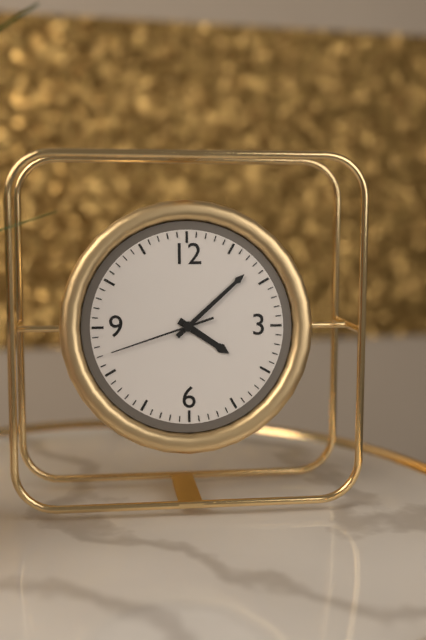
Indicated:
4.08.42
